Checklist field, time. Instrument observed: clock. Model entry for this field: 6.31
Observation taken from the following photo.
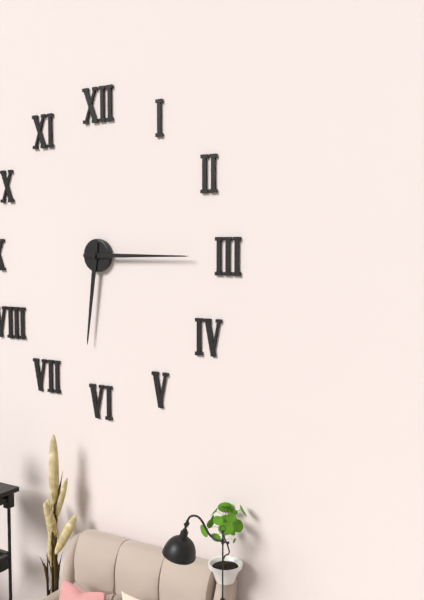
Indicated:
6.15
